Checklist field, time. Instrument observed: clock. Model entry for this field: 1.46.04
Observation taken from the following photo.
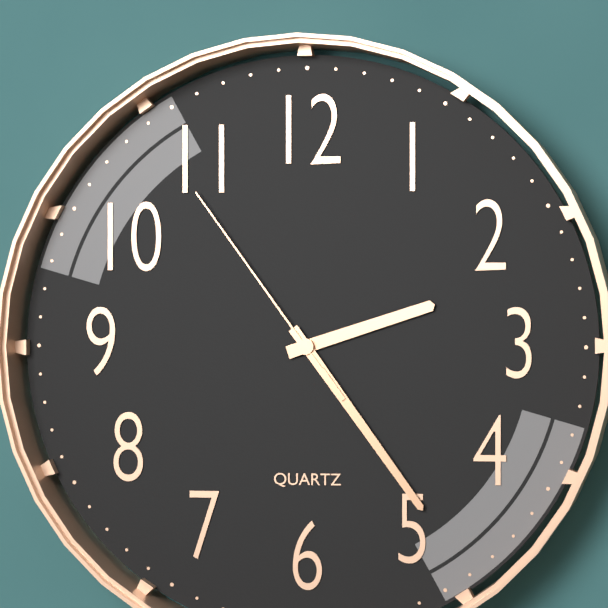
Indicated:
2.24.54
